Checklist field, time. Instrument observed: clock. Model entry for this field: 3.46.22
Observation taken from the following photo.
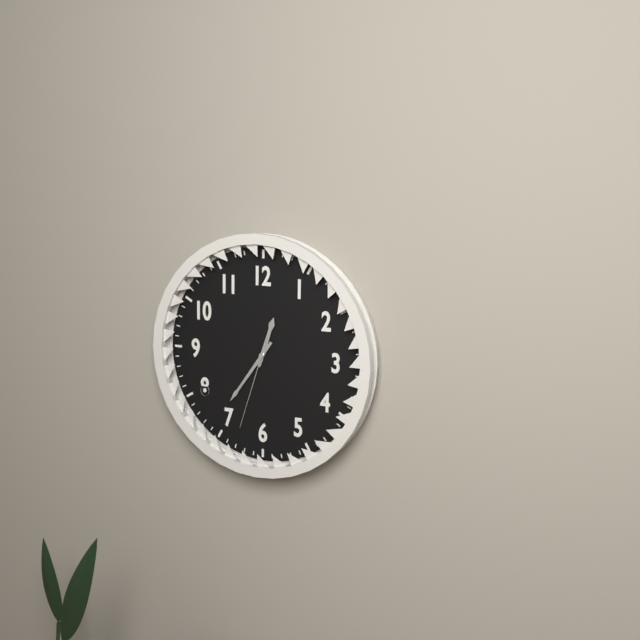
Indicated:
12.36.33
